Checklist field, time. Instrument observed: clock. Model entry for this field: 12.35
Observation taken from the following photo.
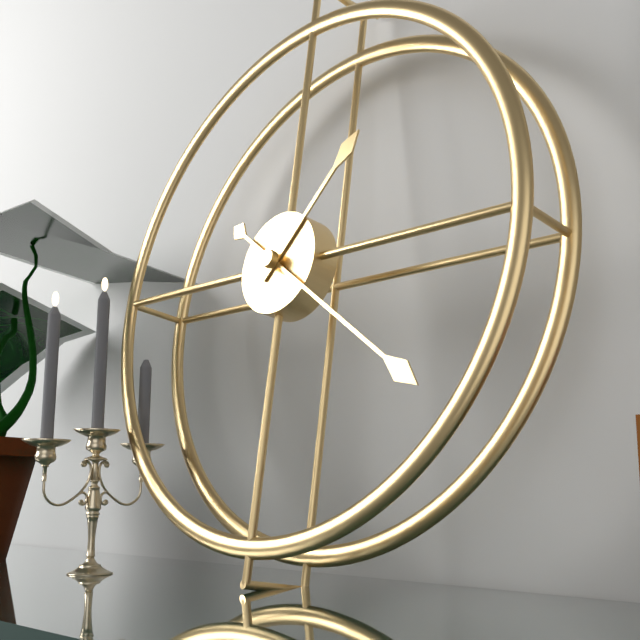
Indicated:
1.21
